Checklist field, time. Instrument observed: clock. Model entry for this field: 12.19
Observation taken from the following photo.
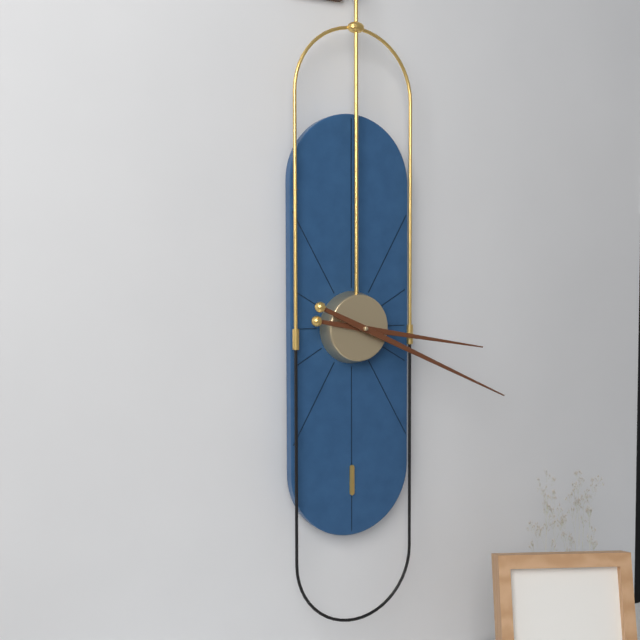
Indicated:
3.19
